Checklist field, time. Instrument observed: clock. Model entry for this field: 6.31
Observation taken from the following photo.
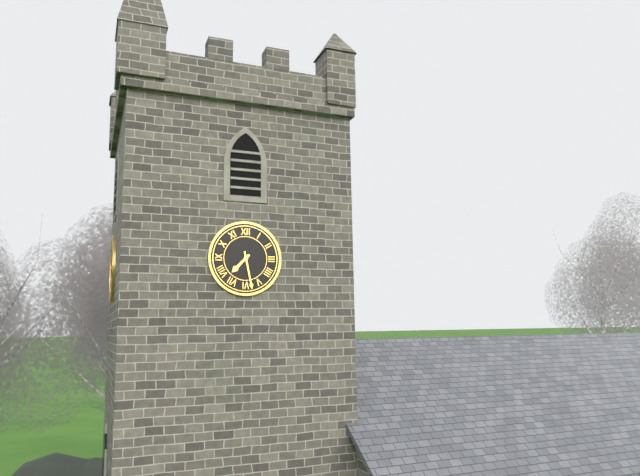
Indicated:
7.28
